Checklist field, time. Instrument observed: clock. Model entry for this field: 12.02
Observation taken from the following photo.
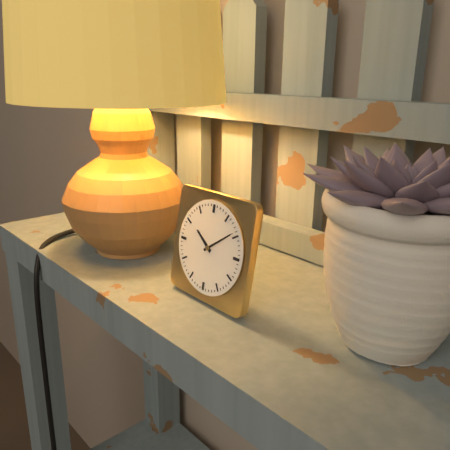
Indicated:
10.09
